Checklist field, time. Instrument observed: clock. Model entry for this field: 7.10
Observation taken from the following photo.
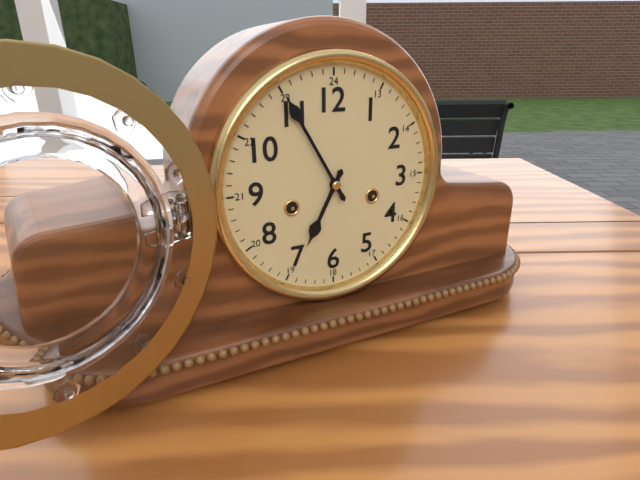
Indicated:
6.55
